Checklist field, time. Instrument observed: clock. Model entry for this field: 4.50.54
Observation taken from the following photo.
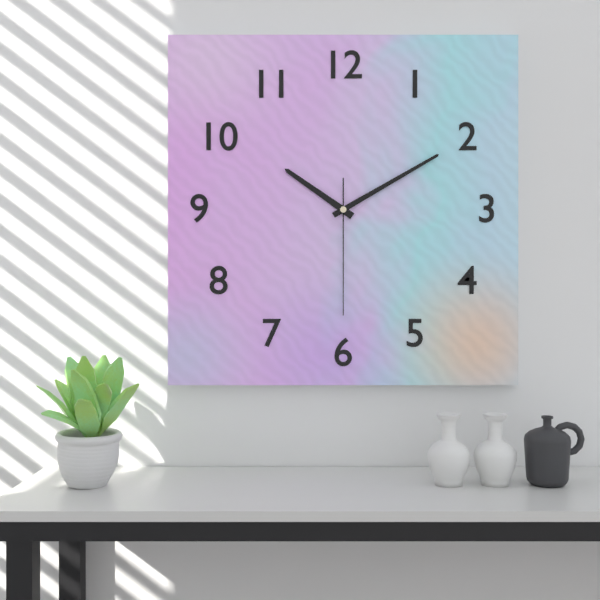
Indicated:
10.10.30
